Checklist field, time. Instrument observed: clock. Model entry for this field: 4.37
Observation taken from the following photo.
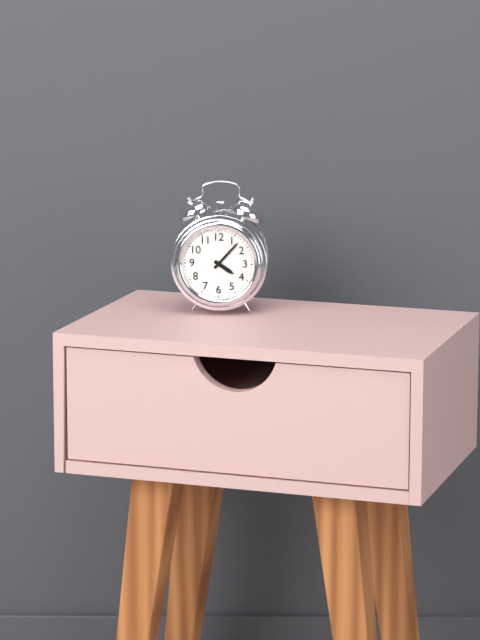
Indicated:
4.07
